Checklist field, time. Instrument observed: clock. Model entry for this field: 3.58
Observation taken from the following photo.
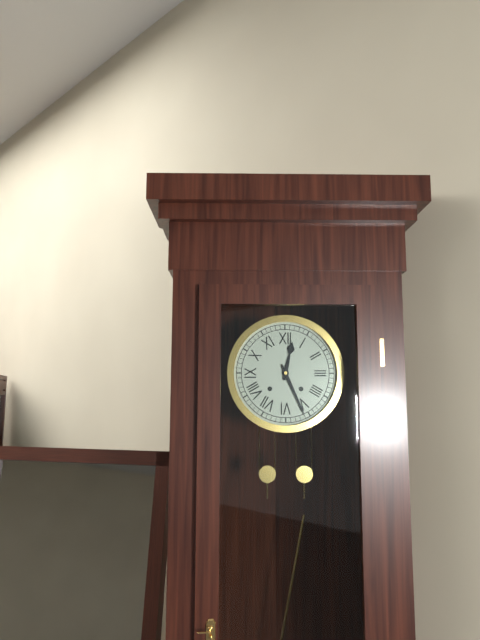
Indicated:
12.26
